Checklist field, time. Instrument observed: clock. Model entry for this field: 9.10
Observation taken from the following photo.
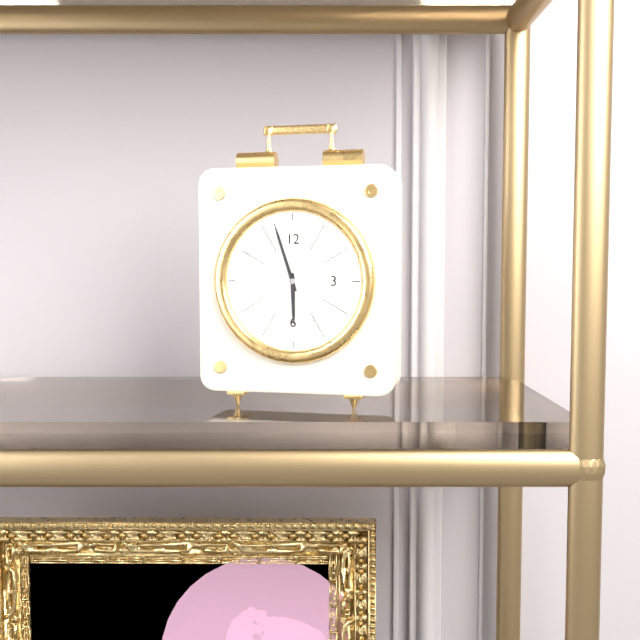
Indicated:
5.57
